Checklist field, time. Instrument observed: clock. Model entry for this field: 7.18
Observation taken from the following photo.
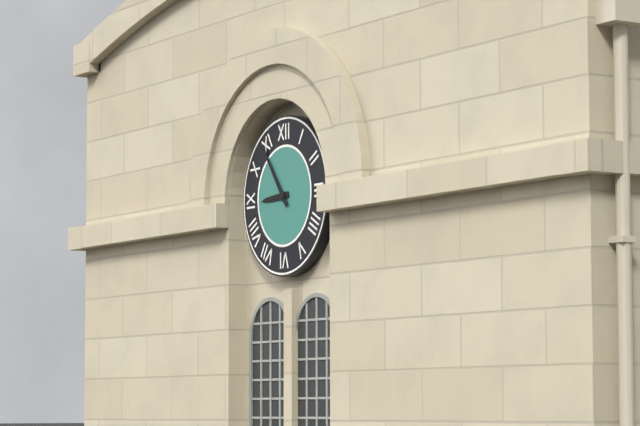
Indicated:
8.54
